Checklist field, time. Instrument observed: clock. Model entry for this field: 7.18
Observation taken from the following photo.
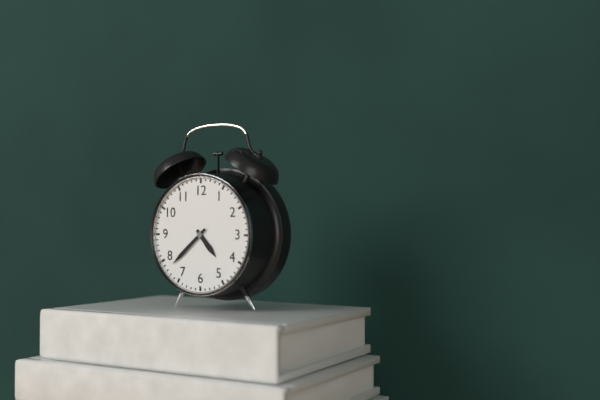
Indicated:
4.38
